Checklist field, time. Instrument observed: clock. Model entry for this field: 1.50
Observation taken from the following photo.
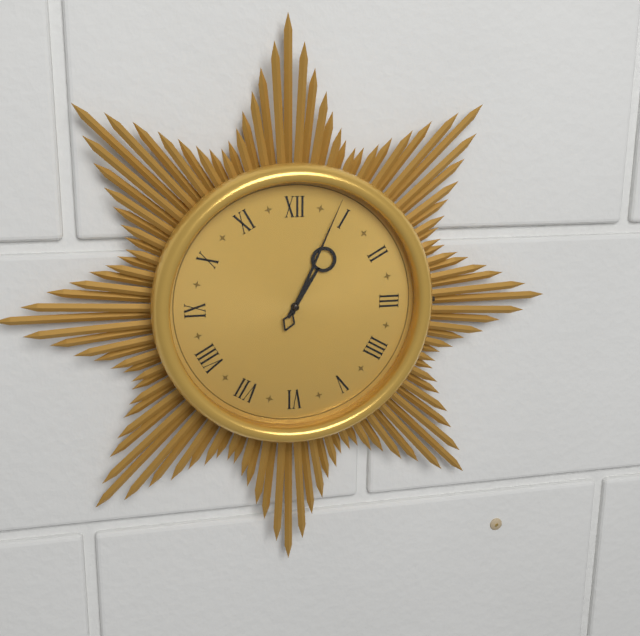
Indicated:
1.04
